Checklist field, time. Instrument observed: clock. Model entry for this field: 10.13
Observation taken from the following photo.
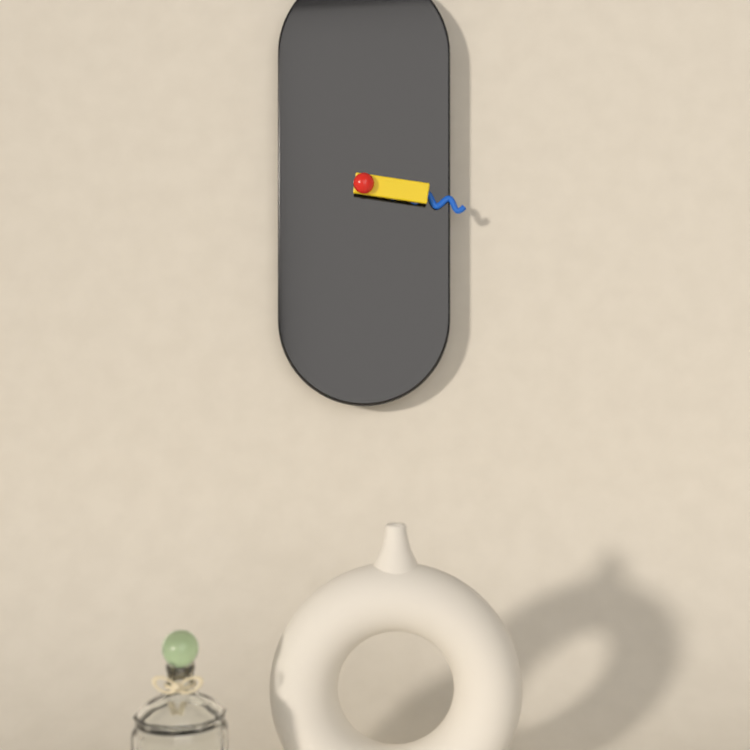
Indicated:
3.17
